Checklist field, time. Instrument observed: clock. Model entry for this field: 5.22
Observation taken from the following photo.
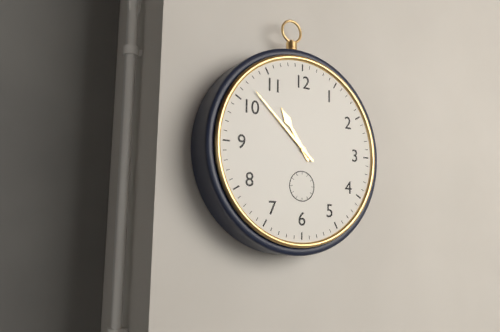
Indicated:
10.52
